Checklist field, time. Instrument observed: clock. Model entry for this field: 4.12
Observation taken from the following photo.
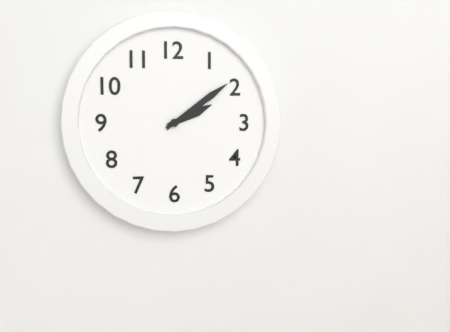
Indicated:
2.09
